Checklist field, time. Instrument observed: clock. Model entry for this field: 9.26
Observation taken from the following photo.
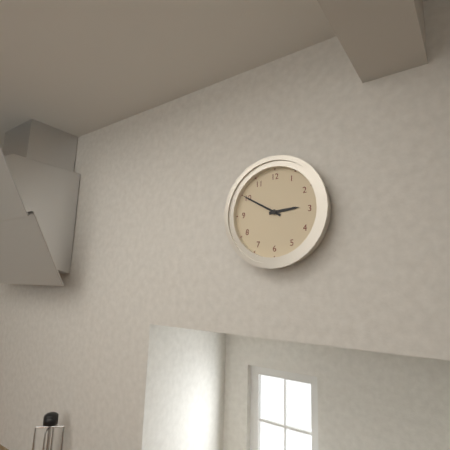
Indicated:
2.50
